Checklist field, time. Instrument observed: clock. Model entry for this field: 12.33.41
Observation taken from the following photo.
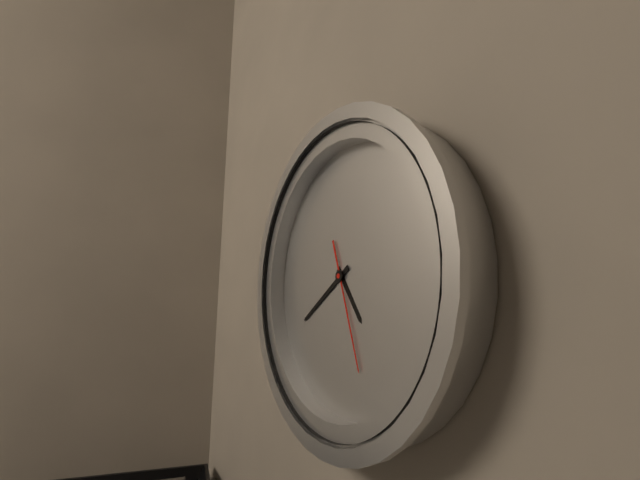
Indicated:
4.39.26
